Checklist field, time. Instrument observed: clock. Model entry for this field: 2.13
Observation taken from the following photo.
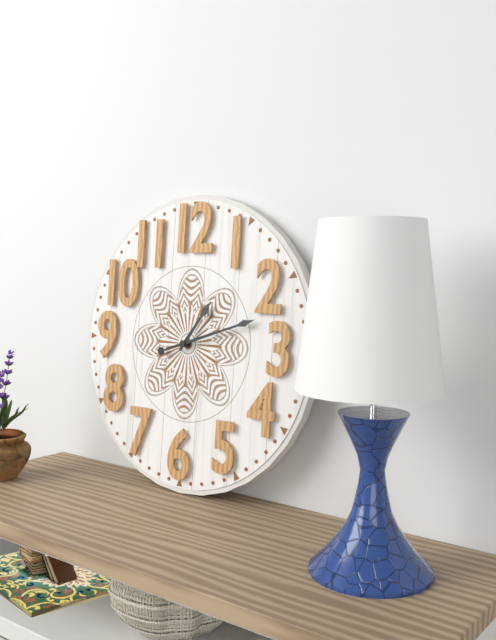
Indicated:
1.12
